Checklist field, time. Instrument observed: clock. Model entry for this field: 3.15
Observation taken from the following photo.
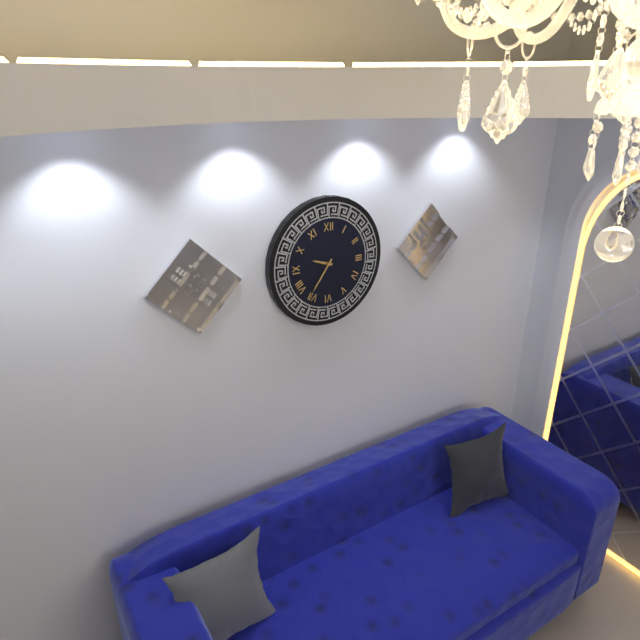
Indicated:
9.36
